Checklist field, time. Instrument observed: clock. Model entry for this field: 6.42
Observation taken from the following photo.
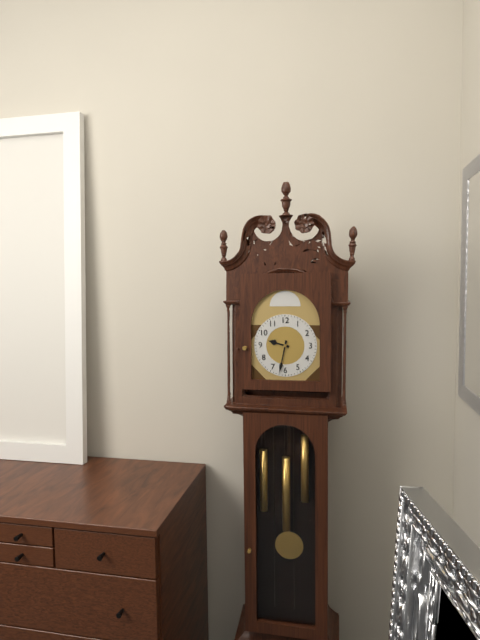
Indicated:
9.32
